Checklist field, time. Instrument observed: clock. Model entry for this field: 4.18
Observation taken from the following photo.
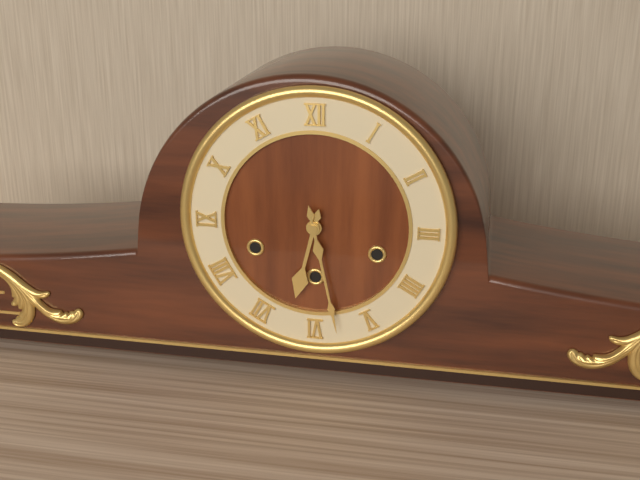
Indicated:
6.28
